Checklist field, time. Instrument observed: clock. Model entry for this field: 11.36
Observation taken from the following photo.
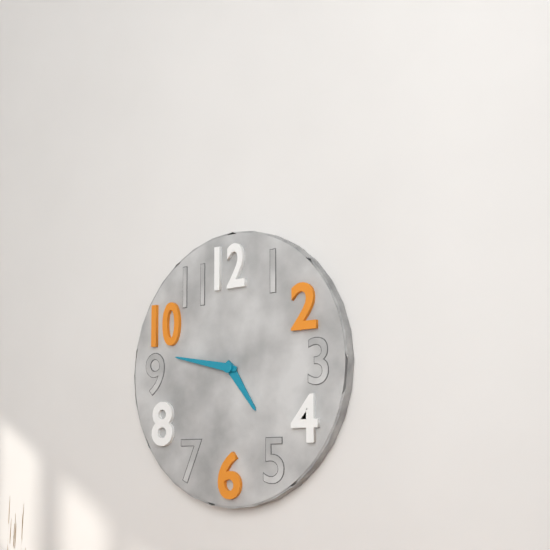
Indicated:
4.47
